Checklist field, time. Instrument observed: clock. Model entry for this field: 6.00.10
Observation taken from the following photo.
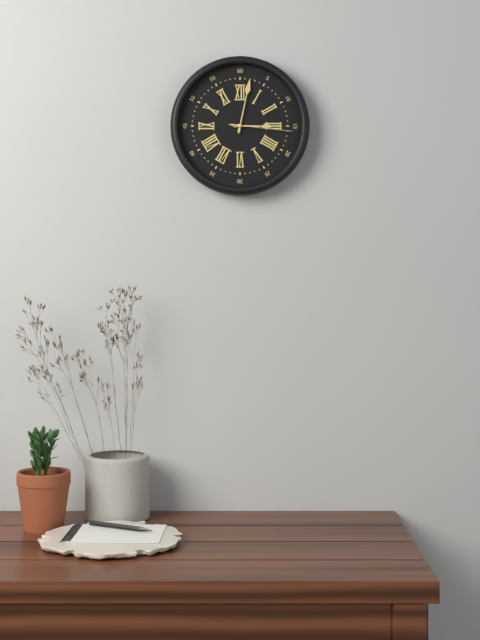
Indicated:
3.02.16
